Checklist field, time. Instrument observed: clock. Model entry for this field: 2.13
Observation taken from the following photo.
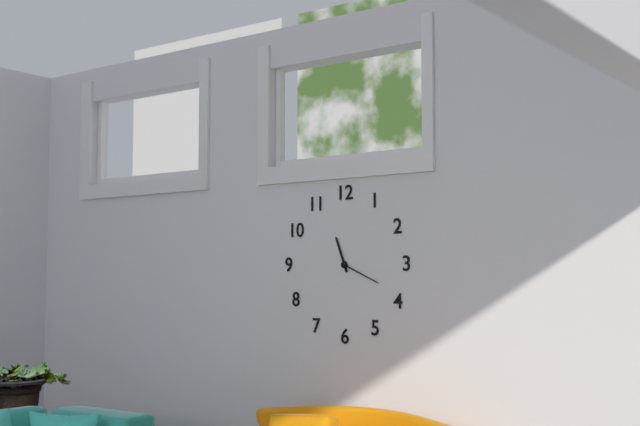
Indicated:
11.19
